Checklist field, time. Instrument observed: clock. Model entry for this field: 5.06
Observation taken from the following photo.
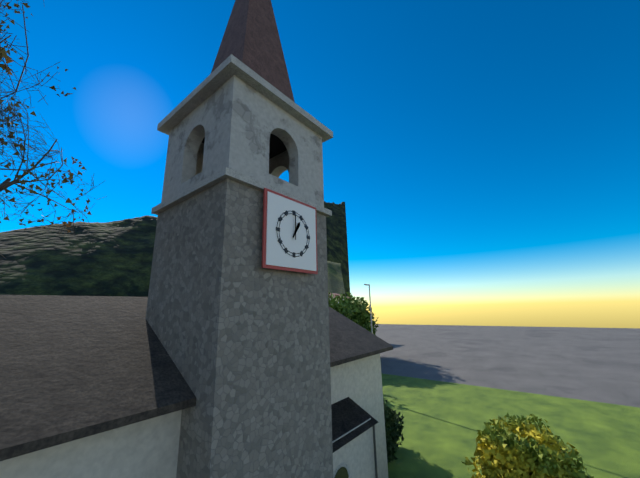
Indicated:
1.00
